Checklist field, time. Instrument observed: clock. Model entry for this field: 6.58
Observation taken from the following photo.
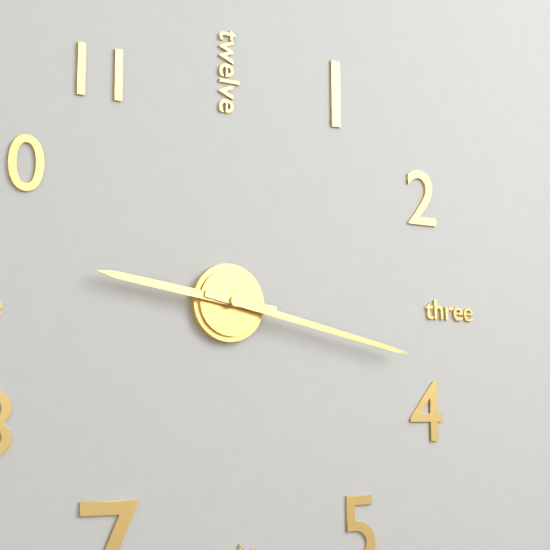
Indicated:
9.17
